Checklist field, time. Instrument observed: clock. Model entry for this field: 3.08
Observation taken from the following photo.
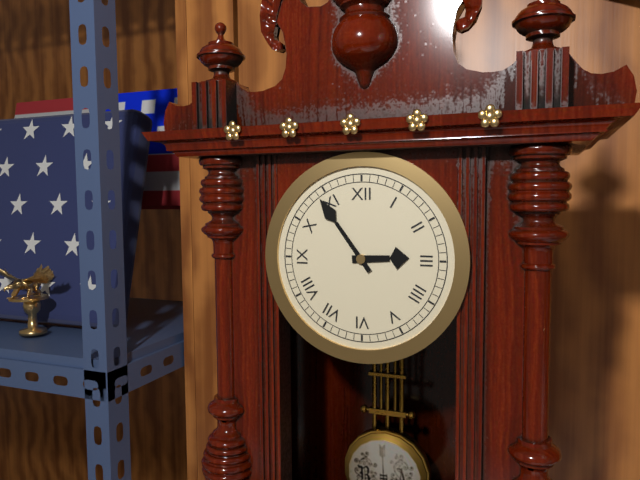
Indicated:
2.54
